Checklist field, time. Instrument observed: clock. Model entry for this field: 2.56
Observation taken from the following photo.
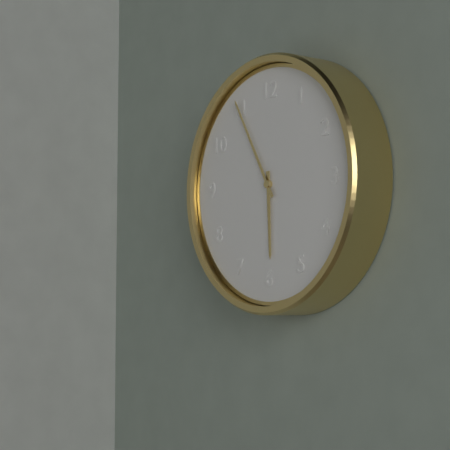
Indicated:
5.55
